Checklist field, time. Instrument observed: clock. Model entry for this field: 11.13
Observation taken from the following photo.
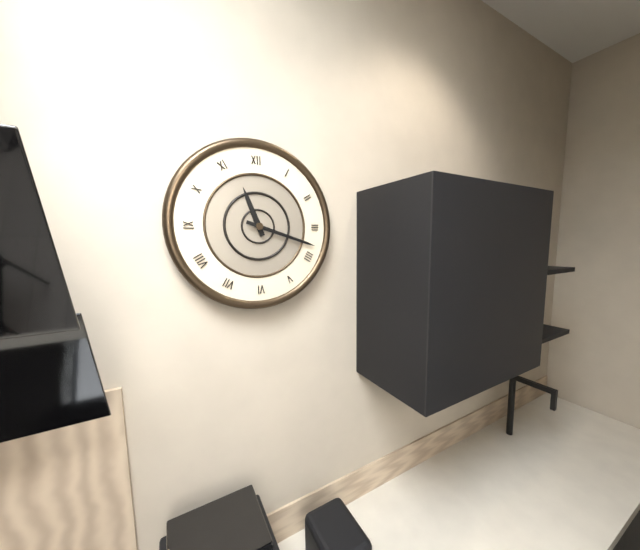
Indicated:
11.18
